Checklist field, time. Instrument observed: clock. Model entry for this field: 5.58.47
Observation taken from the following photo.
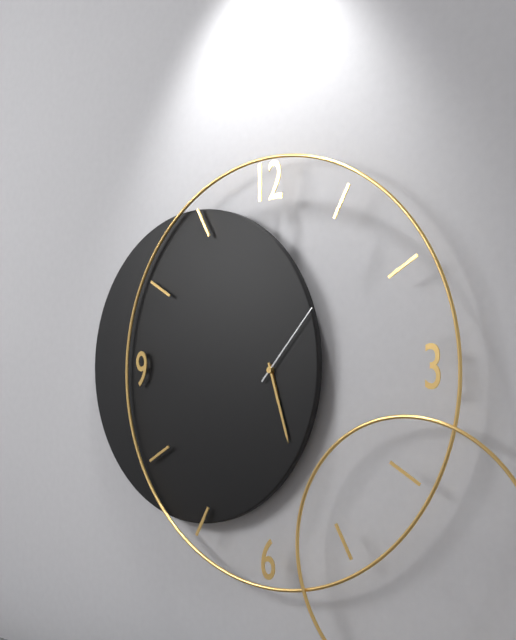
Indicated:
5.27.07
